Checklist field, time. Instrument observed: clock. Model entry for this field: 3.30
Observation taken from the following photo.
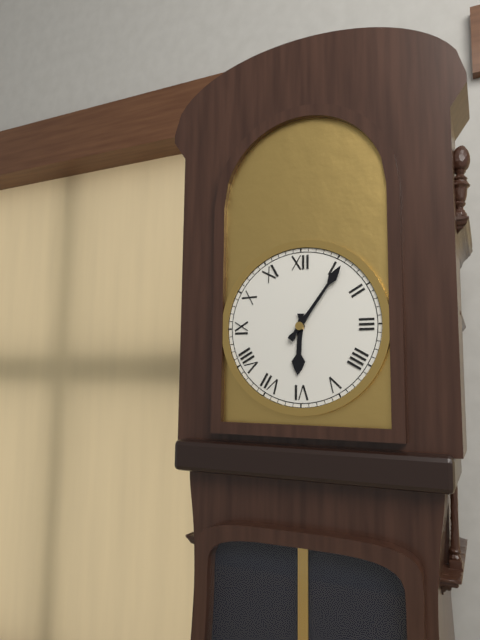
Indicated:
6.06
